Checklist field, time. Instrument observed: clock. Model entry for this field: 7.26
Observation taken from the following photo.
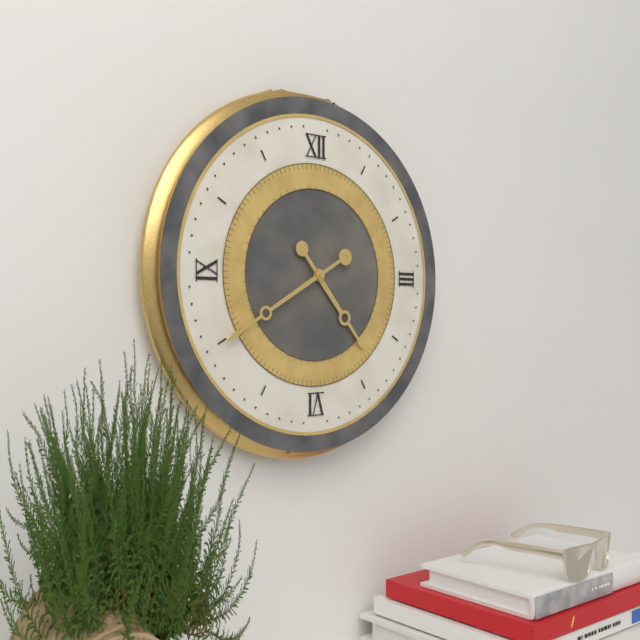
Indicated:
4.40
